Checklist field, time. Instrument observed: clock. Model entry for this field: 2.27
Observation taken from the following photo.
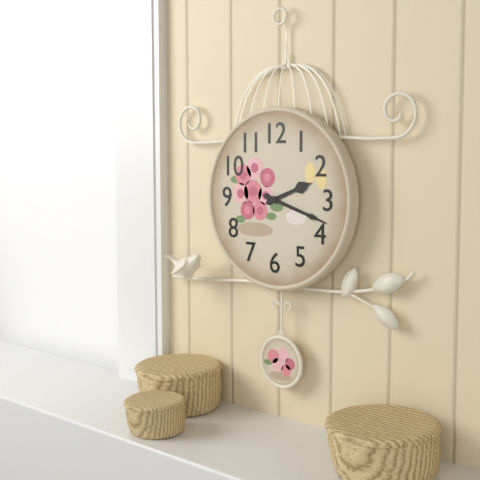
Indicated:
2.18
